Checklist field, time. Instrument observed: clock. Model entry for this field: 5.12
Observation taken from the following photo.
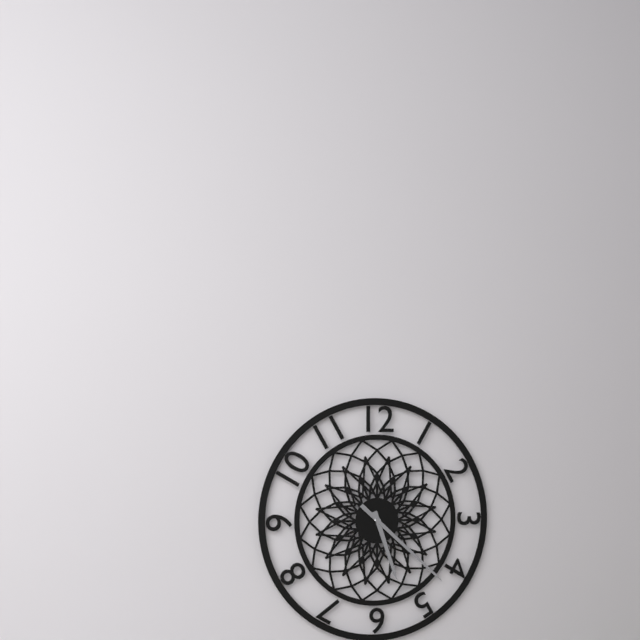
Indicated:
5.22
